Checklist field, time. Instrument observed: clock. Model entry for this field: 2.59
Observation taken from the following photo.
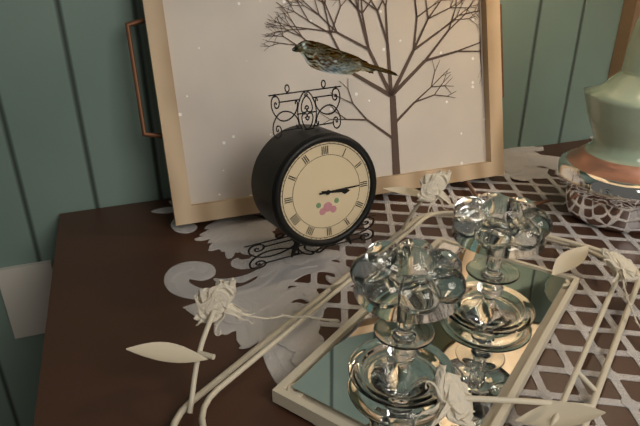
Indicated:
3.15
